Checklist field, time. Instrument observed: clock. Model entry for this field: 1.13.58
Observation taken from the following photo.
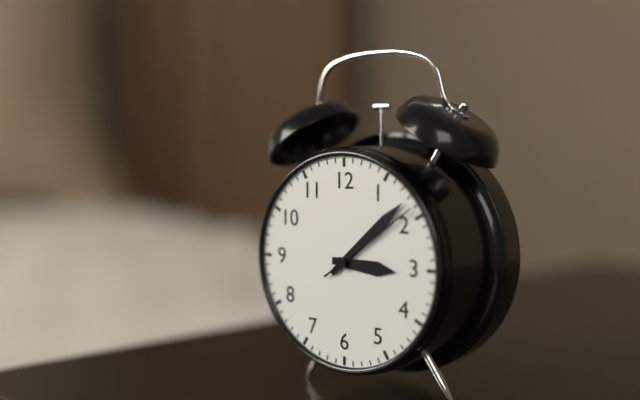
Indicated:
3.08.09
